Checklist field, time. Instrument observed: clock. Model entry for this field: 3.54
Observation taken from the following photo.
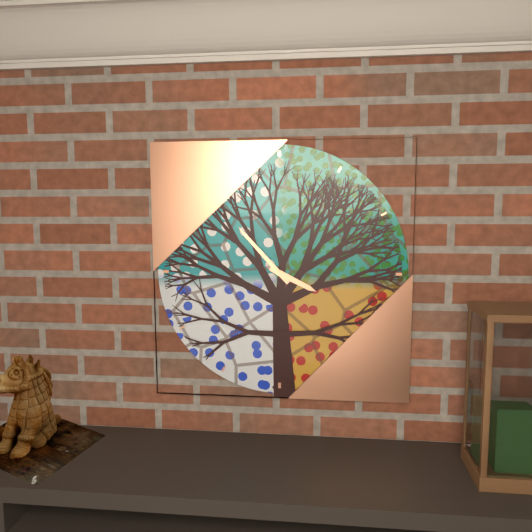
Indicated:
3.53
